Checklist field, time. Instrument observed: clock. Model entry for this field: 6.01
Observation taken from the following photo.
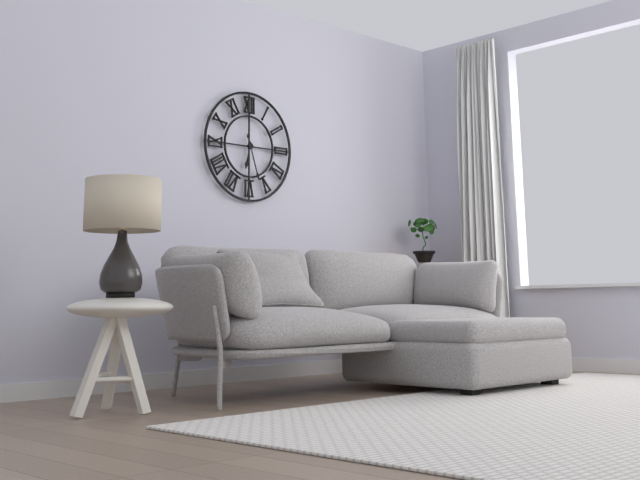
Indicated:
6.27
